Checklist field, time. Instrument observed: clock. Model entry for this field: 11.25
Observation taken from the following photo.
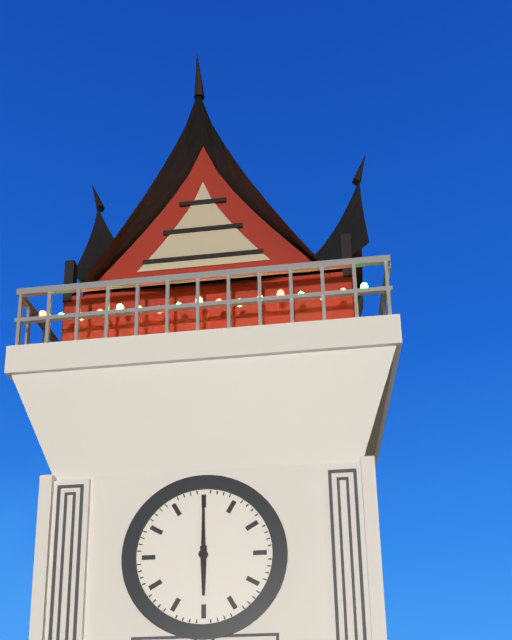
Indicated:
6.00
